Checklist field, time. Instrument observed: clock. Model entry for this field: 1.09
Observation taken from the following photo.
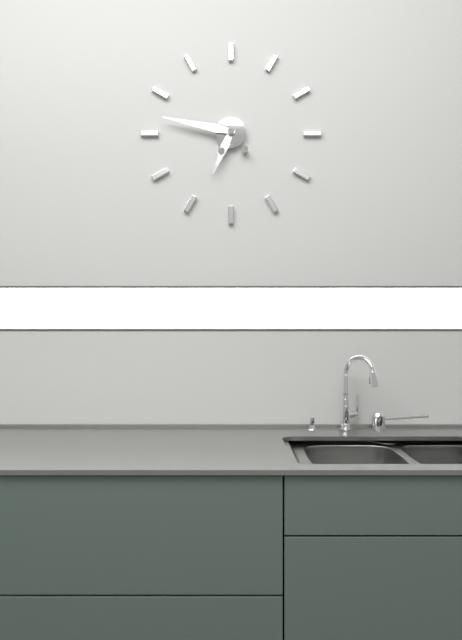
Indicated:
6.47
